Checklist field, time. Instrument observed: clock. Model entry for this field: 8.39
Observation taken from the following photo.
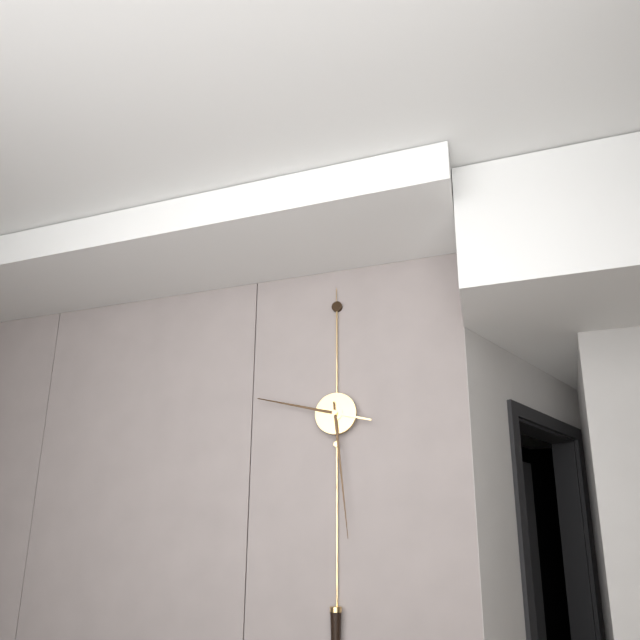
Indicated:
9.29
